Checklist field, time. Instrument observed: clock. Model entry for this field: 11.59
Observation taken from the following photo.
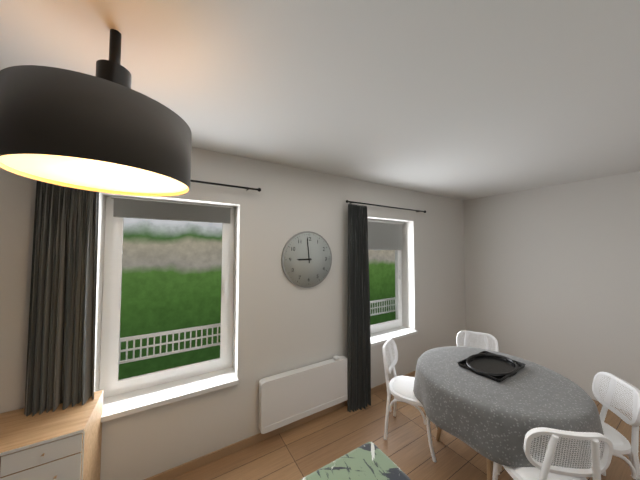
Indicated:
8.59
